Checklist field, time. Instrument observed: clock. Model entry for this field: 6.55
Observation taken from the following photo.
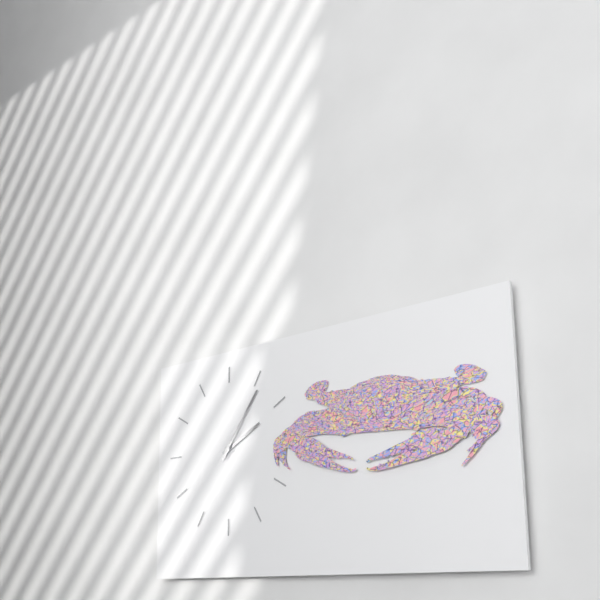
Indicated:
2.06
